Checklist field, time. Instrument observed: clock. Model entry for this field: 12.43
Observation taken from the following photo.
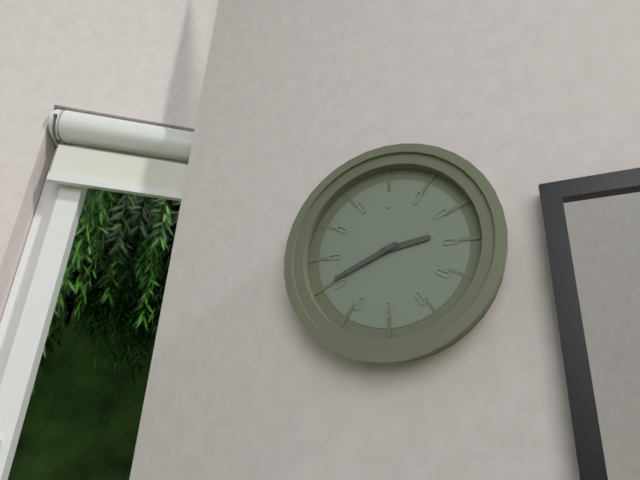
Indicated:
2.41
